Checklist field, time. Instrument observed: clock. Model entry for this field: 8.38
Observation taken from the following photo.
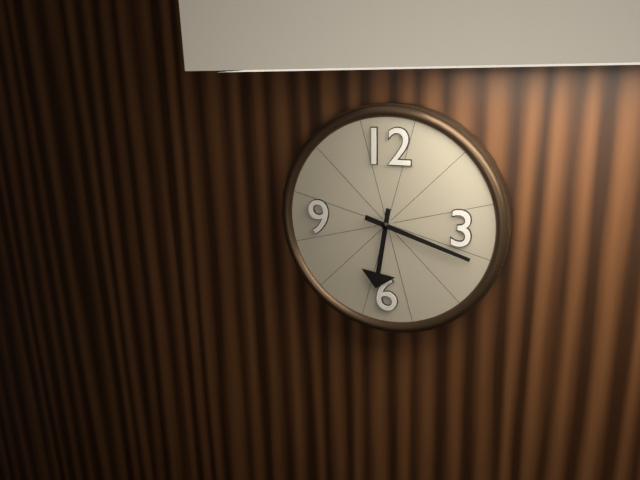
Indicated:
6.18
